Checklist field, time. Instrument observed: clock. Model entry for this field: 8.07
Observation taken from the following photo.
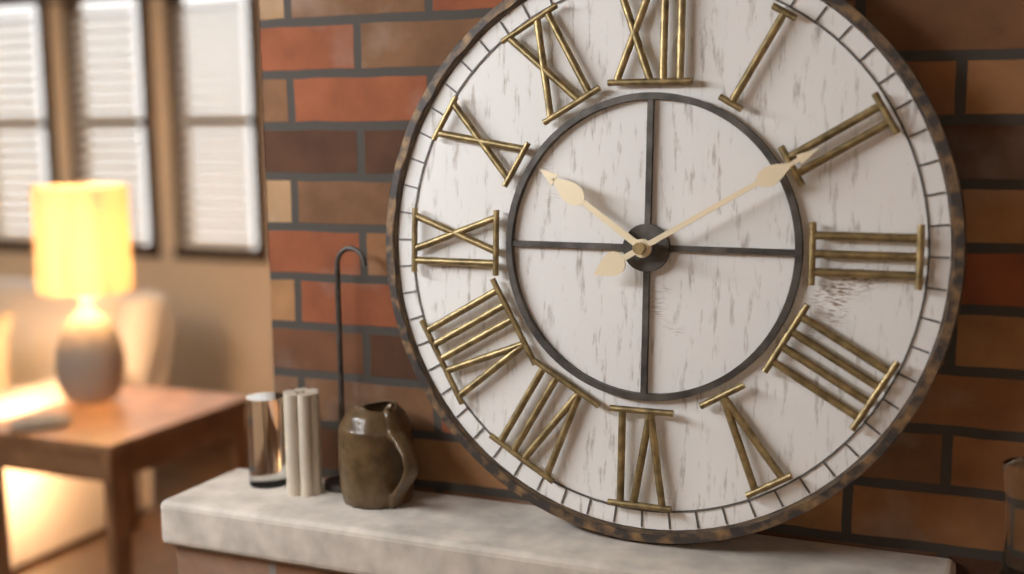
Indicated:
10.10
